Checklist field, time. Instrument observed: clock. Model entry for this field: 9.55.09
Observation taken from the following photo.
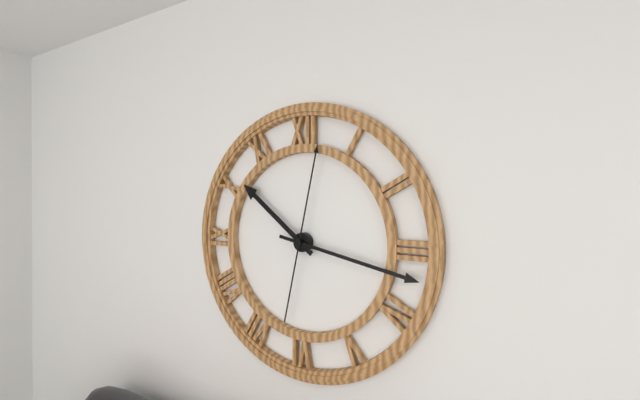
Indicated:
10.17.02
